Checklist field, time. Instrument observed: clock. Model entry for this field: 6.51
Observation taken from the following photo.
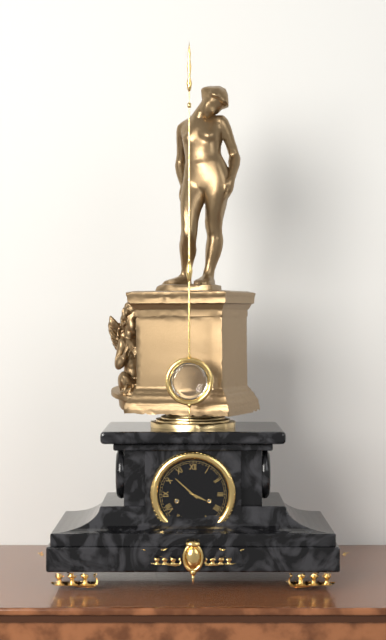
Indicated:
3.52
